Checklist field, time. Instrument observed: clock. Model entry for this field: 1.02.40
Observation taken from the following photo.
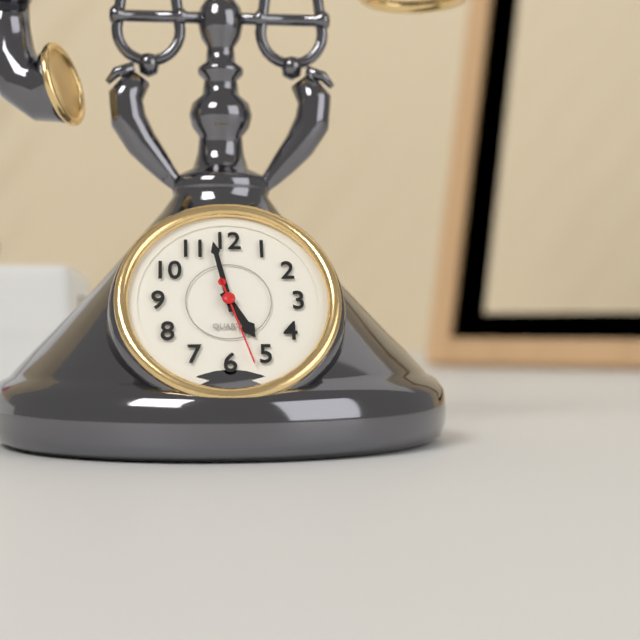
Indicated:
4.58.27
